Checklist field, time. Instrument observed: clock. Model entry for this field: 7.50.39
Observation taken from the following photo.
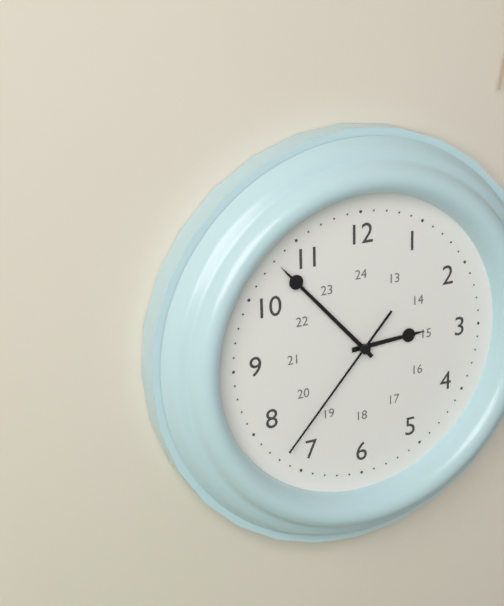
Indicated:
2.53.37
